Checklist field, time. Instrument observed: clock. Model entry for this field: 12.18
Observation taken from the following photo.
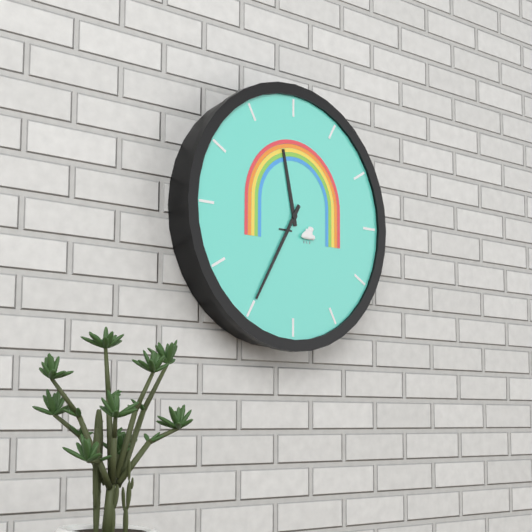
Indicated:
11.35
